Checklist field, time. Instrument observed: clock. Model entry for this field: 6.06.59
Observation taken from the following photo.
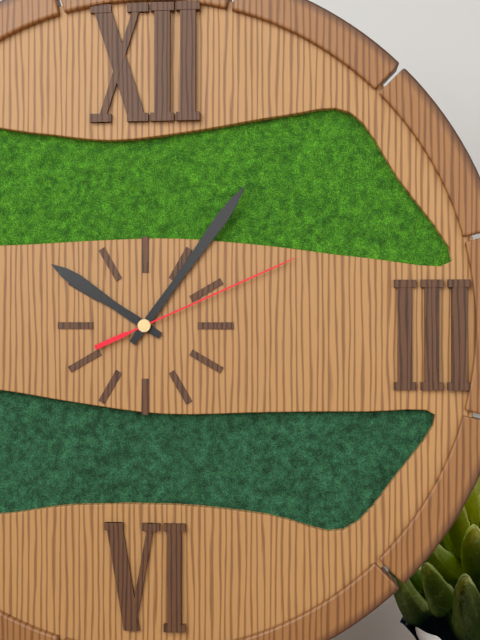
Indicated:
10.06.11
